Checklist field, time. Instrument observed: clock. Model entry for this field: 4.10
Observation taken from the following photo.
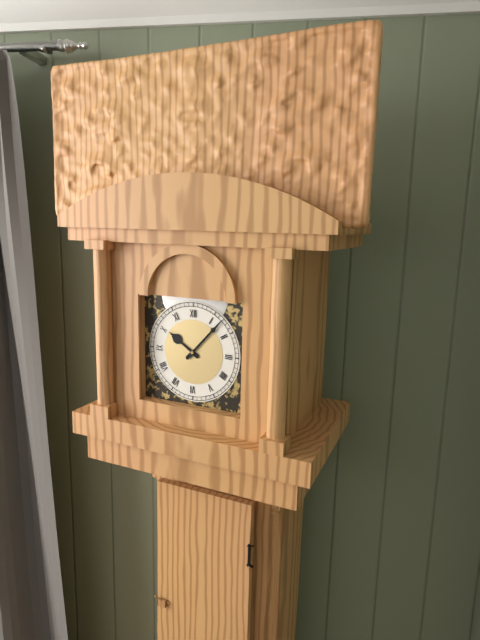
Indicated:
10.07
